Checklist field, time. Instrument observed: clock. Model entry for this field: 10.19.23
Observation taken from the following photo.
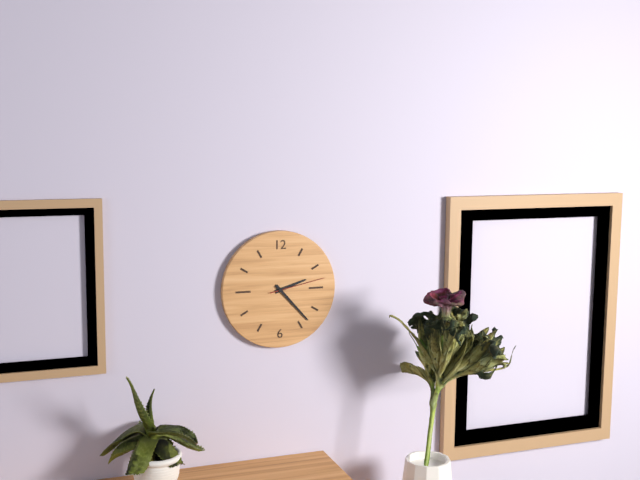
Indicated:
2.23.13
